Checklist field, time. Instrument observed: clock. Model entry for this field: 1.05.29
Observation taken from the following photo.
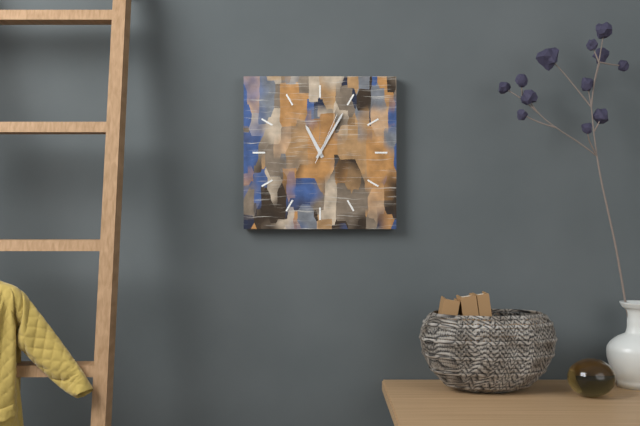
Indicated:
11.05.04
